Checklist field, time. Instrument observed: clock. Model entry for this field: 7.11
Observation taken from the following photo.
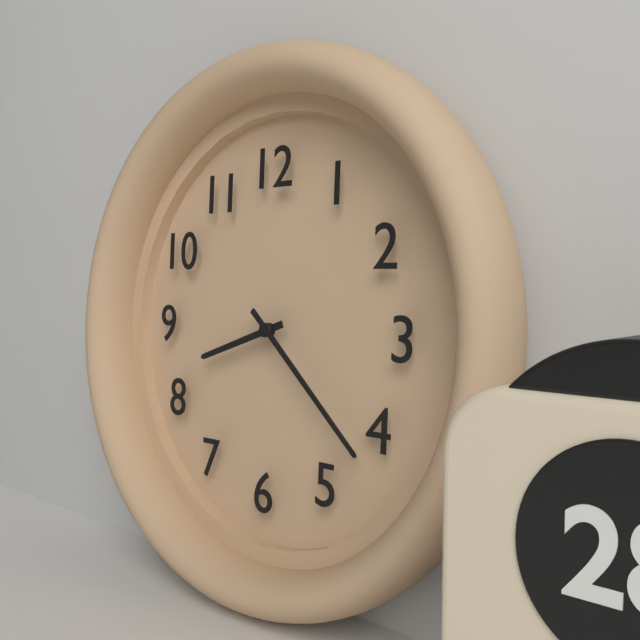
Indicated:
8.22
